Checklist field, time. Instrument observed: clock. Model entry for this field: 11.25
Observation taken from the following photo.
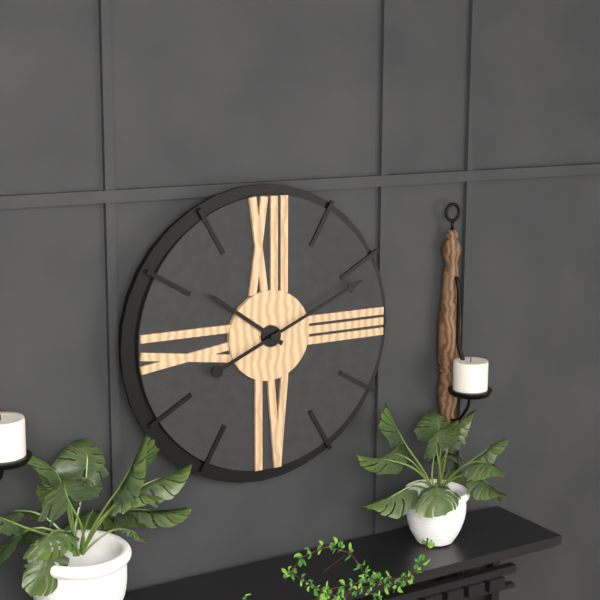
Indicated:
10.11
